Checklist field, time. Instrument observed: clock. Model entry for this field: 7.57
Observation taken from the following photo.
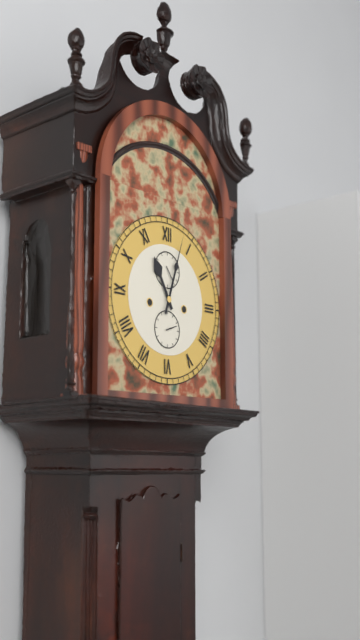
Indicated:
11.03
